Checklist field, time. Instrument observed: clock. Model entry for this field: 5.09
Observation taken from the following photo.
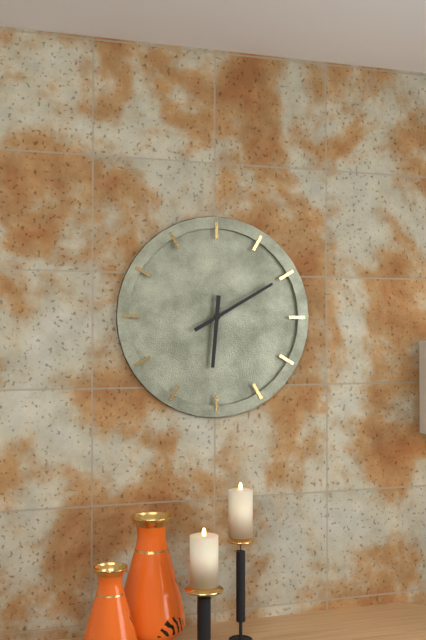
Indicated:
6.10
